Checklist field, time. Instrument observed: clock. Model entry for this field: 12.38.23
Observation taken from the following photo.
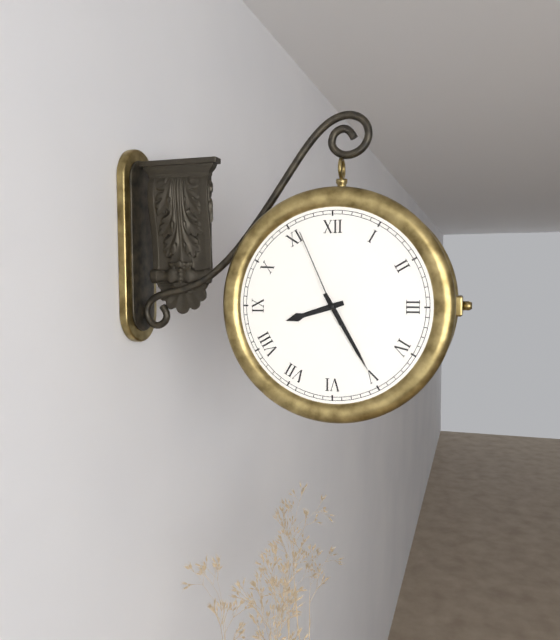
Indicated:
8.25.56
